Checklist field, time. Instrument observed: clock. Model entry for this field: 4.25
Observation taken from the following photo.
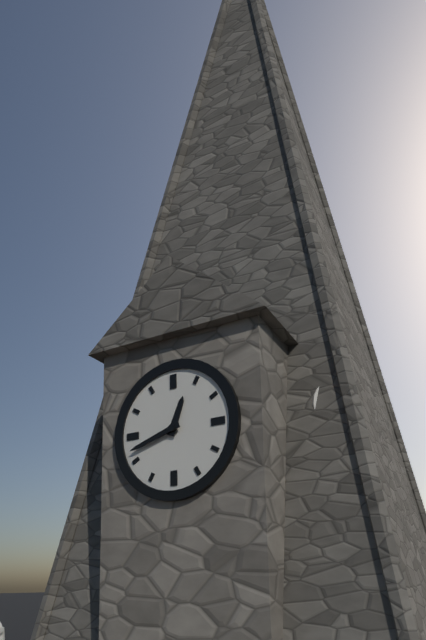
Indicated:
12.42
